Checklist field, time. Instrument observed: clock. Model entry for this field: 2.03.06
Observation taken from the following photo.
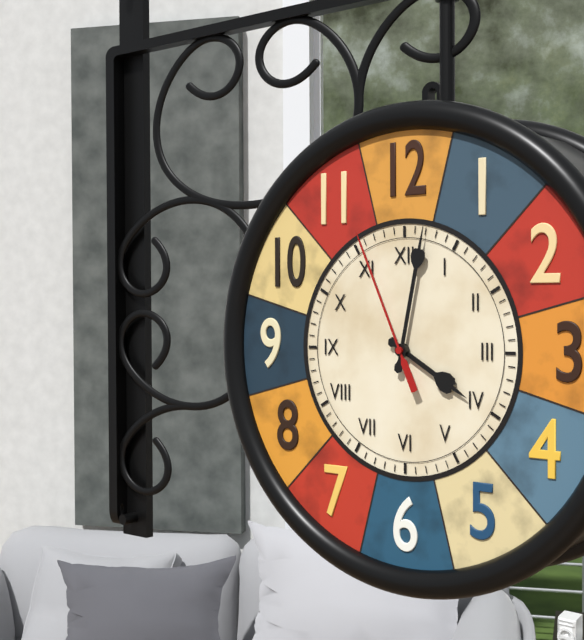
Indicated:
4.02.56
